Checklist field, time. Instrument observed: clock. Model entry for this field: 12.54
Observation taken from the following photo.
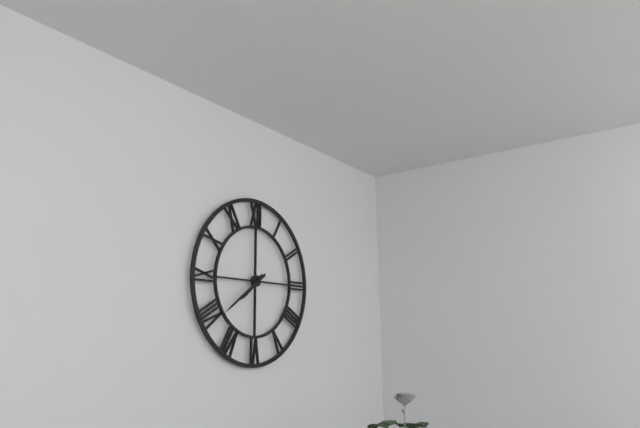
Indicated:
7.39
